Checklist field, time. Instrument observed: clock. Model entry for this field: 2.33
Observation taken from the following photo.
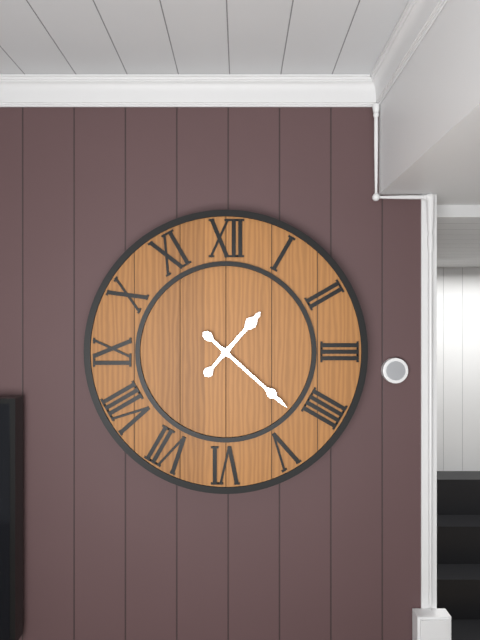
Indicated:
1.22
